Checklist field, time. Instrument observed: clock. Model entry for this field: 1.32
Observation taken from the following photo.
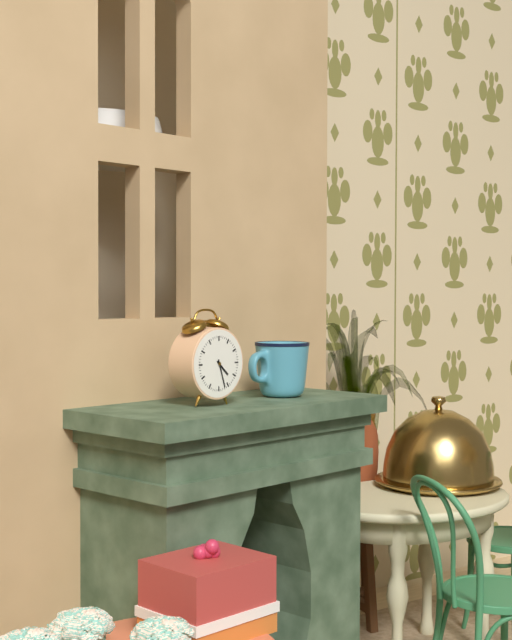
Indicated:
4.27
